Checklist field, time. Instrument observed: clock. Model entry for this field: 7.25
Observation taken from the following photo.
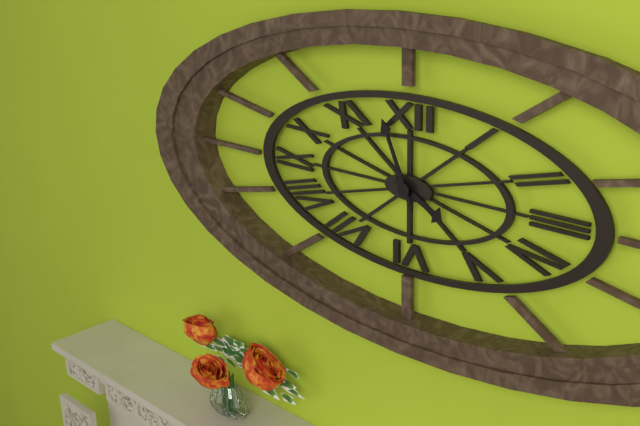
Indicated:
3.56
